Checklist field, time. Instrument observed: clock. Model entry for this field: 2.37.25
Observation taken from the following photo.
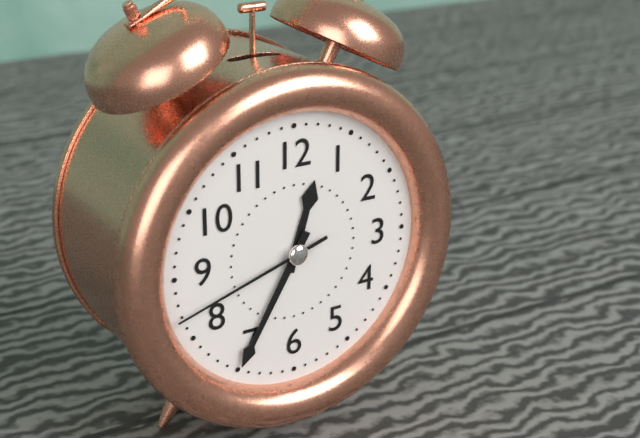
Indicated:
12.35.42
